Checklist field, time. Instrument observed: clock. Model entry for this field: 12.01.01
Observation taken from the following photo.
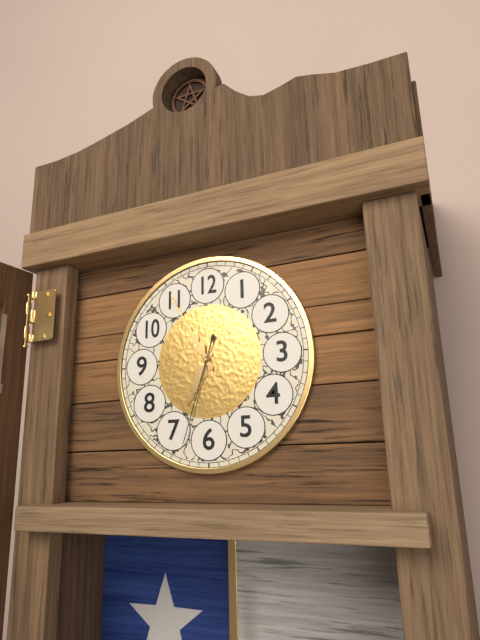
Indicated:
6.55.33
